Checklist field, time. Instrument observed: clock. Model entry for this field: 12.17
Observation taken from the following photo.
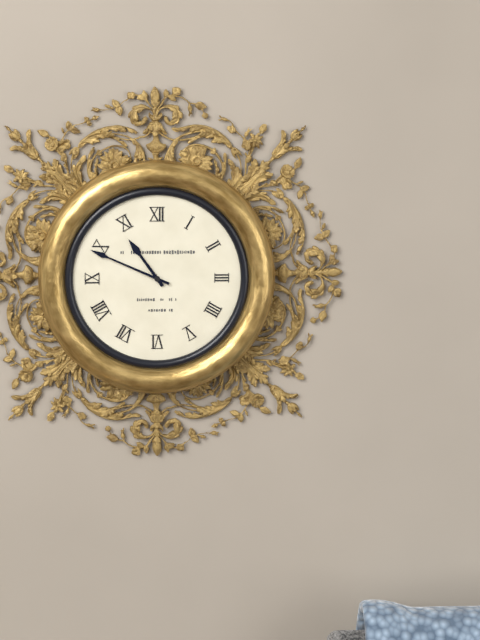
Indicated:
10.49
